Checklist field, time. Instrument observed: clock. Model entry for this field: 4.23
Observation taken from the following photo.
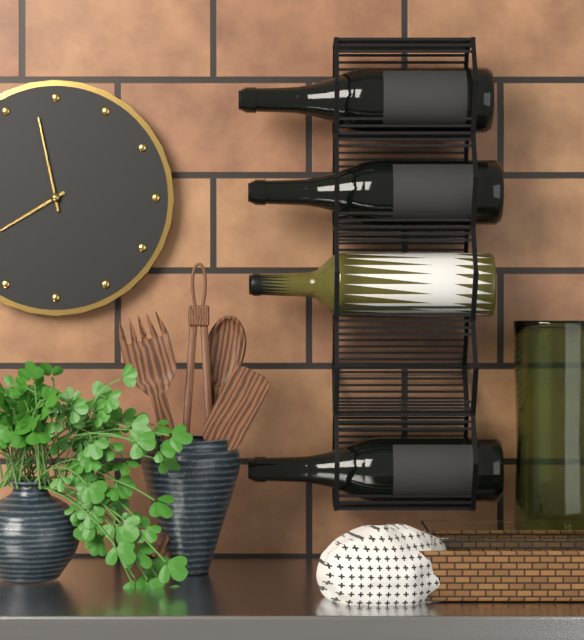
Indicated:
7.58
